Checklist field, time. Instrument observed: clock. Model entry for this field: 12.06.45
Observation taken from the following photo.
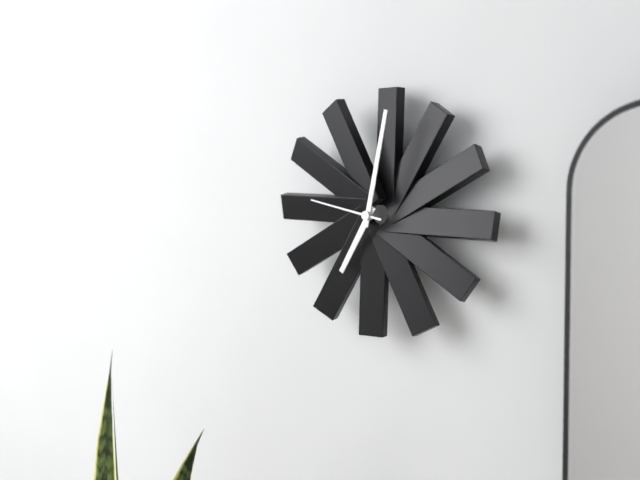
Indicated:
7.02.47
